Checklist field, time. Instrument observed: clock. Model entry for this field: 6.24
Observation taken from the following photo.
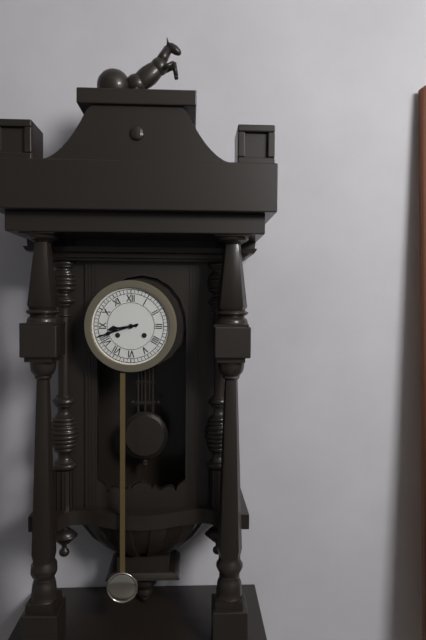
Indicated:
8.42
